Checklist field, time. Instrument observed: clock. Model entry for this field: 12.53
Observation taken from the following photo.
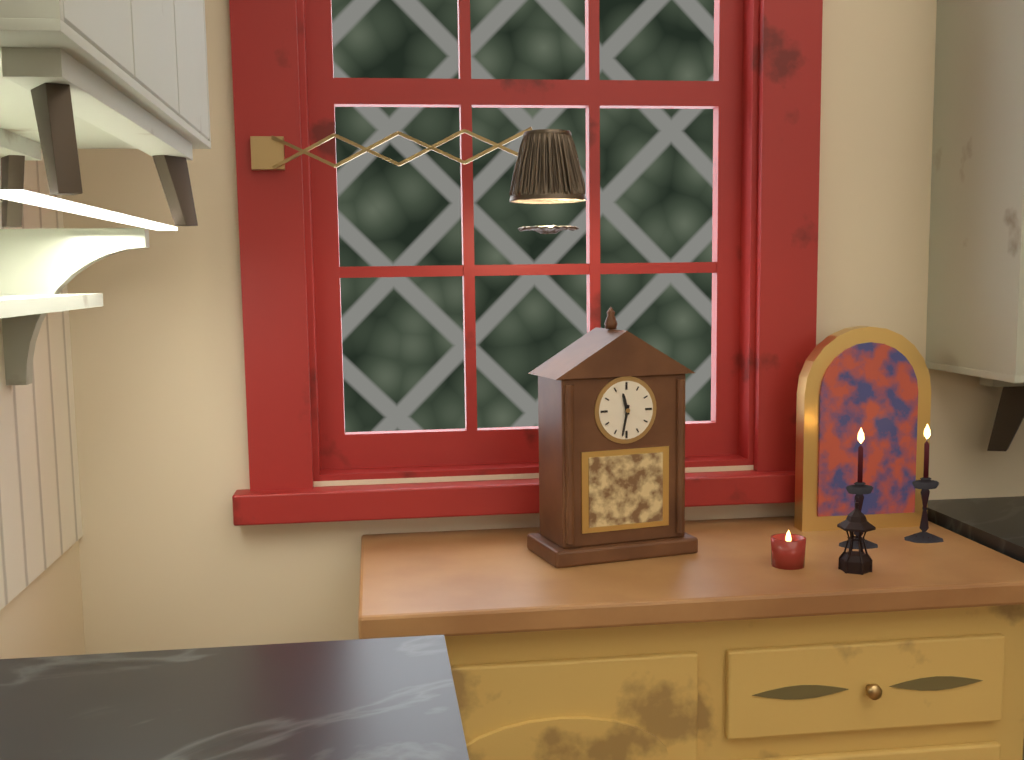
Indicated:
11.32
